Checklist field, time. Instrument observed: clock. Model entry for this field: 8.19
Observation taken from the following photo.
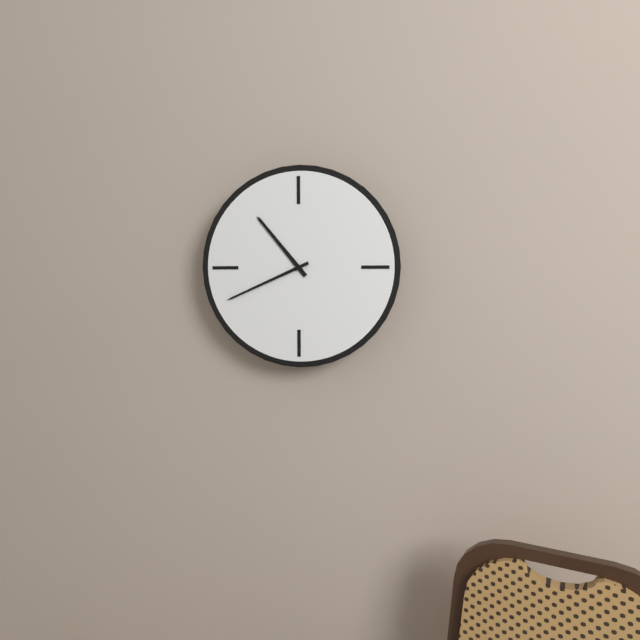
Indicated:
10.41
